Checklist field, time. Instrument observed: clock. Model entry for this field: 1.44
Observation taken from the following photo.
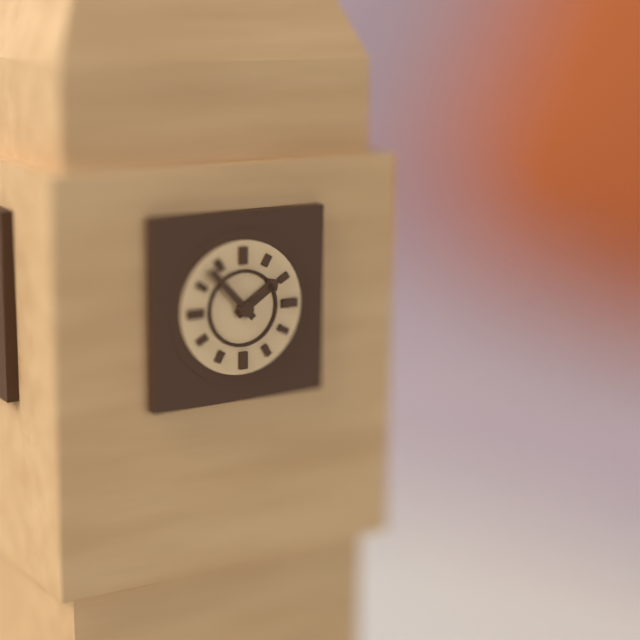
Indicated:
1.53
